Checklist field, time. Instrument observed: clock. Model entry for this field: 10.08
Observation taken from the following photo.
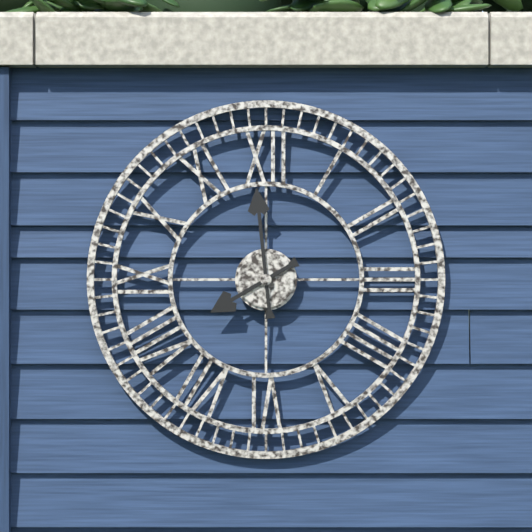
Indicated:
7.59
